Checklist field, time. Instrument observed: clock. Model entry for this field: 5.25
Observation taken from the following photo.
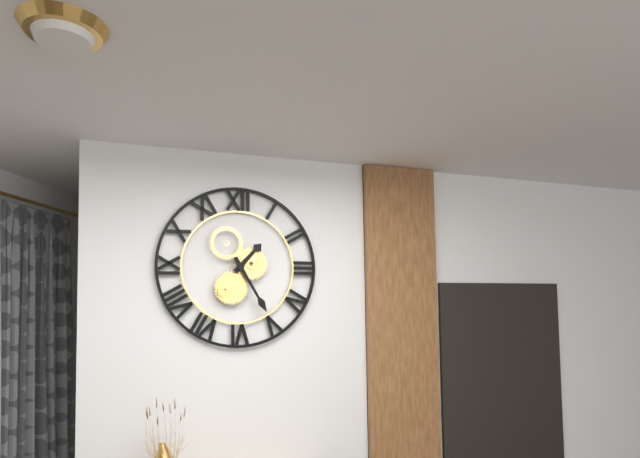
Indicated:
1.25
